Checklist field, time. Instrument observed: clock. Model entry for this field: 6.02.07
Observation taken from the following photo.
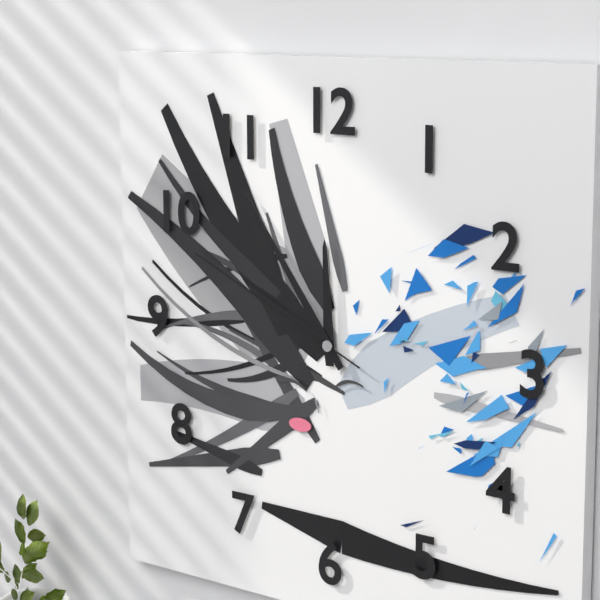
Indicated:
11.54.49
